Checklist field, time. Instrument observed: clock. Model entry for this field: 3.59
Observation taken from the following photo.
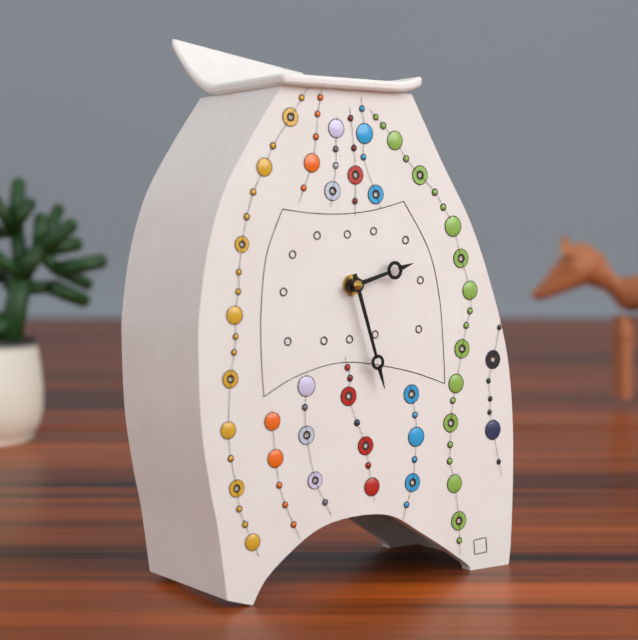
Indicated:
2.27
